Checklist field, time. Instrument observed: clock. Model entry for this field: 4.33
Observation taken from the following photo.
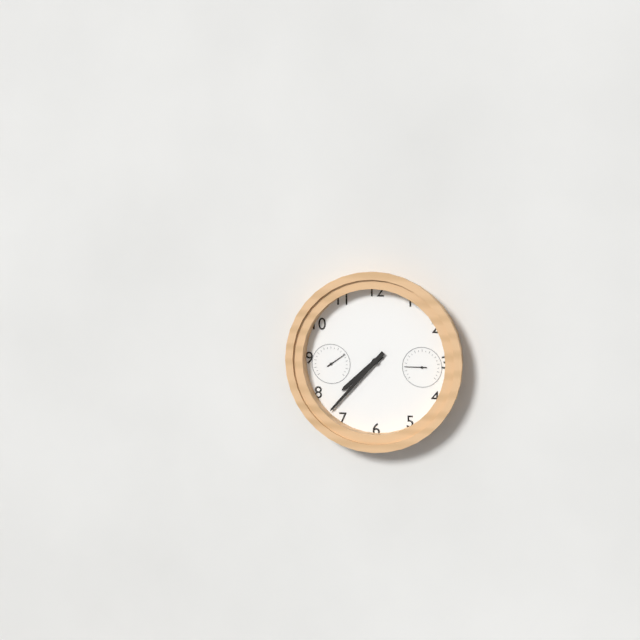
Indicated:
7.37
